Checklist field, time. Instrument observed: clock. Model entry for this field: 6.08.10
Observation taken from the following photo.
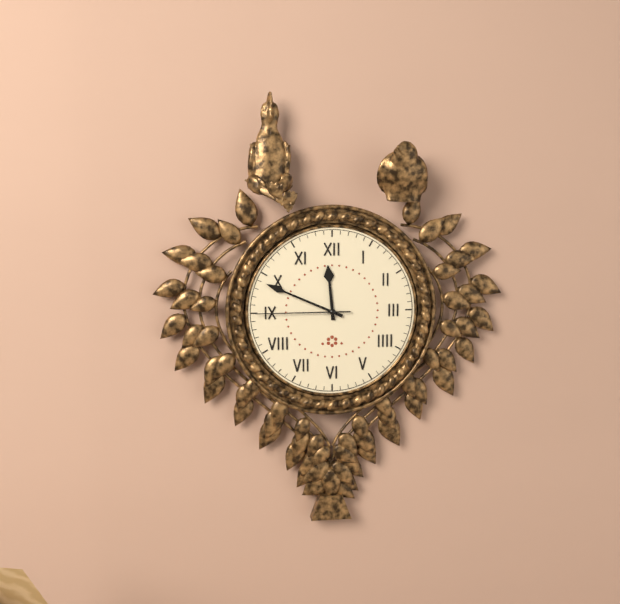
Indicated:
11.49.45
